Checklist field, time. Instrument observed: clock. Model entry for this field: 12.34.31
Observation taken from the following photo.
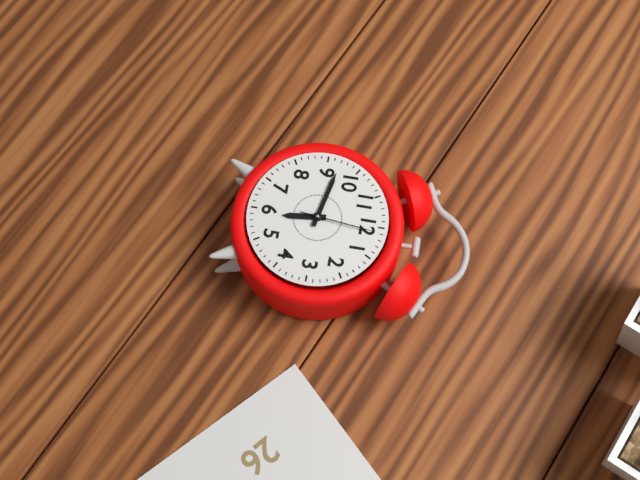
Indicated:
5.47.01
